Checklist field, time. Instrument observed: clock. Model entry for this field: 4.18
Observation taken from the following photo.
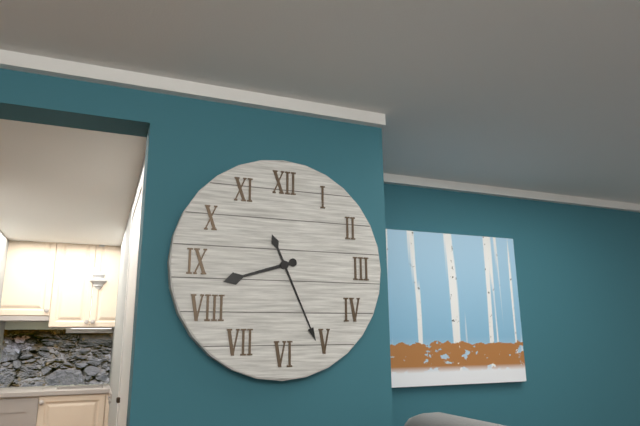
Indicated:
8.26
